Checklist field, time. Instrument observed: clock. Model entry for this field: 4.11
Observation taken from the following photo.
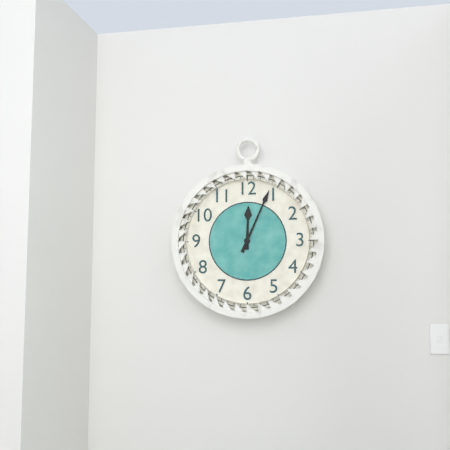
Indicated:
12.04
